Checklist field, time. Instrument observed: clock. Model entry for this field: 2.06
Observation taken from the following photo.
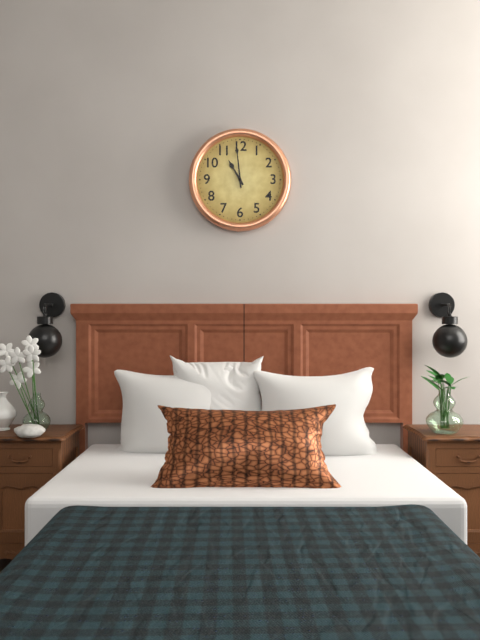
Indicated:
10.59
